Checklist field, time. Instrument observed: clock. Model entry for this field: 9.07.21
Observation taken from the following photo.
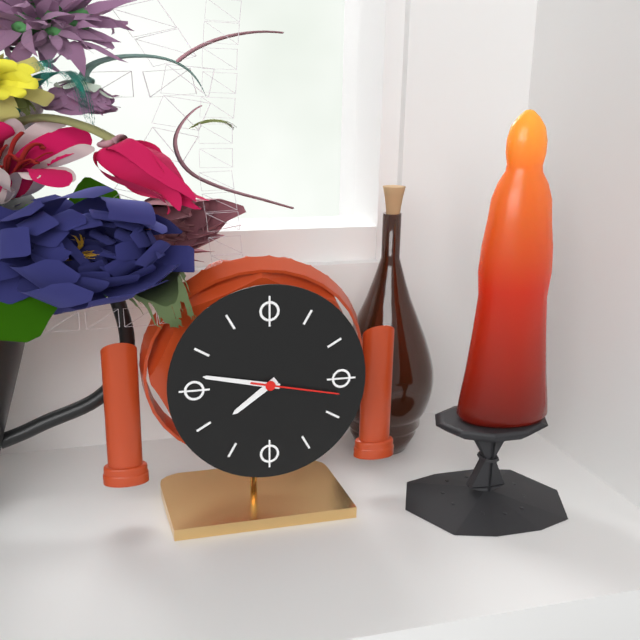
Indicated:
7.47.17
